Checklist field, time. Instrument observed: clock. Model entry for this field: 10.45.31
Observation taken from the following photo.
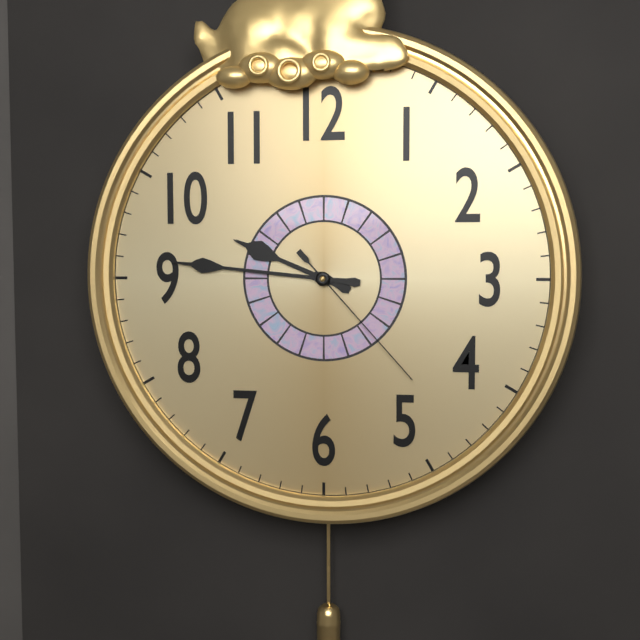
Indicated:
9.46.23
